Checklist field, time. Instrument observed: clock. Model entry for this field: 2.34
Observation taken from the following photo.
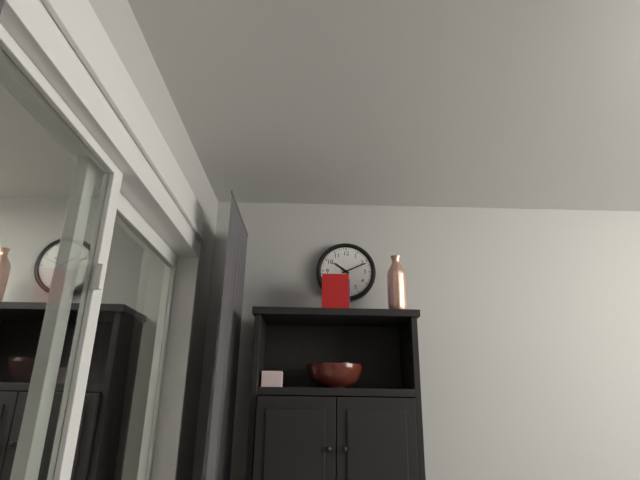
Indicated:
10.11
